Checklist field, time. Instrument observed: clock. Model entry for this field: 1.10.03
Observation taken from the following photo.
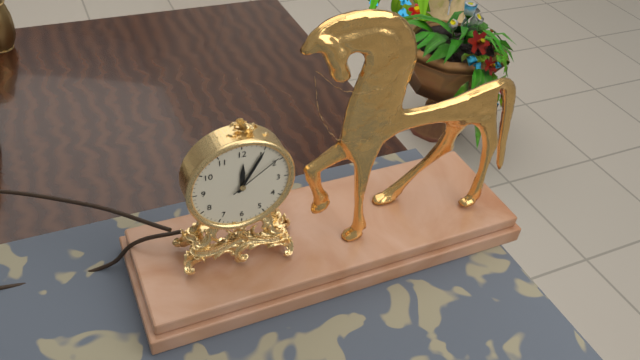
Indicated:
12.05.09
